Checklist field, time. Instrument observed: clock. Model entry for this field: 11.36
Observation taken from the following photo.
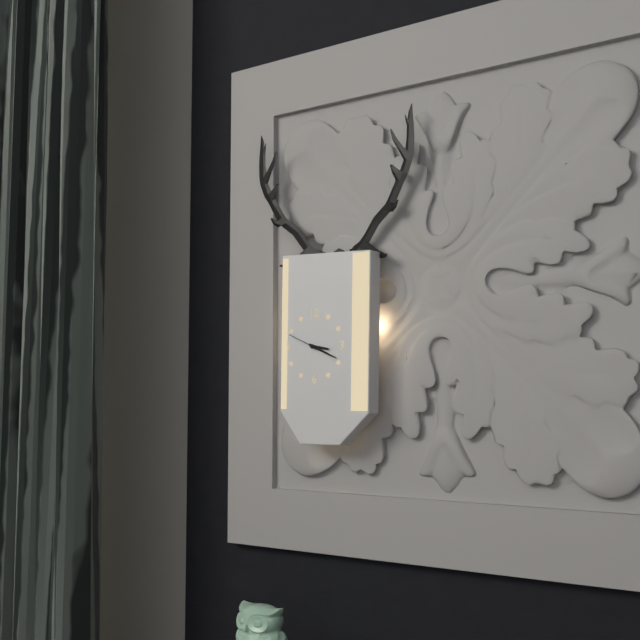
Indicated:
3.19
